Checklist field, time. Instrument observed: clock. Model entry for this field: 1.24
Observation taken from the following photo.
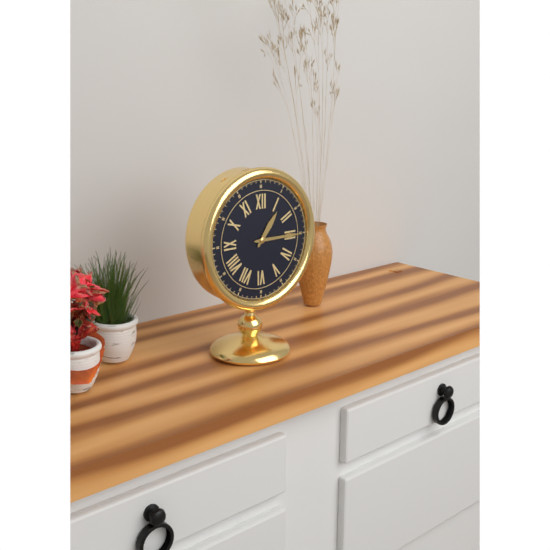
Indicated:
1.15
